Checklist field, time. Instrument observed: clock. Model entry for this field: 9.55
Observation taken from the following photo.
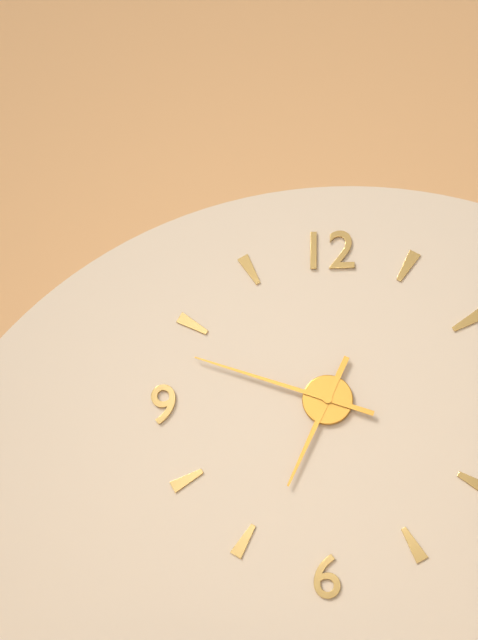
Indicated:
6.48
